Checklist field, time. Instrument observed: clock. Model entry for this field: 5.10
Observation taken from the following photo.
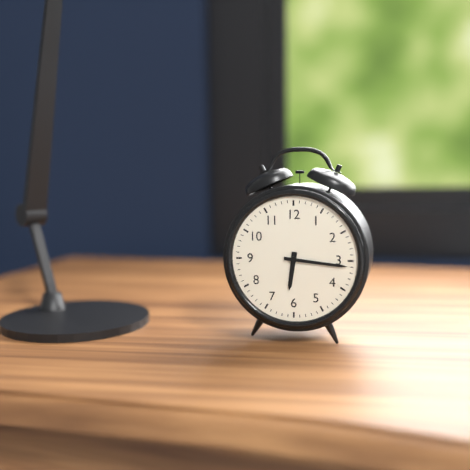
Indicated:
6.16
